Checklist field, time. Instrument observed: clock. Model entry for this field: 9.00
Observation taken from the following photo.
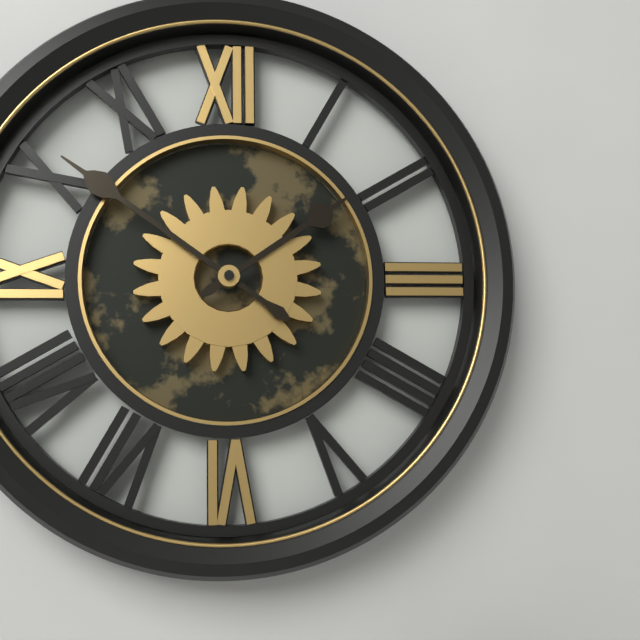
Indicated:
1.51
